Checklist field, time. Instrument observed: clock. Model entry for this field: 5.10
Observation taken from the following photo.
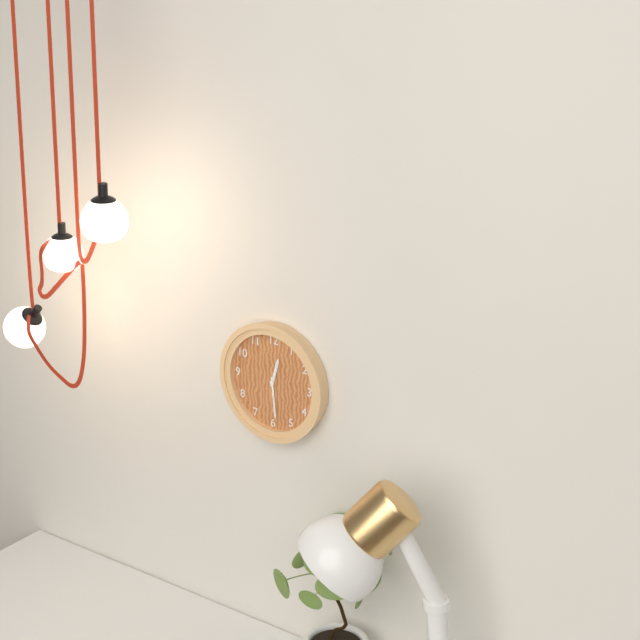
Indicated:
12.29
